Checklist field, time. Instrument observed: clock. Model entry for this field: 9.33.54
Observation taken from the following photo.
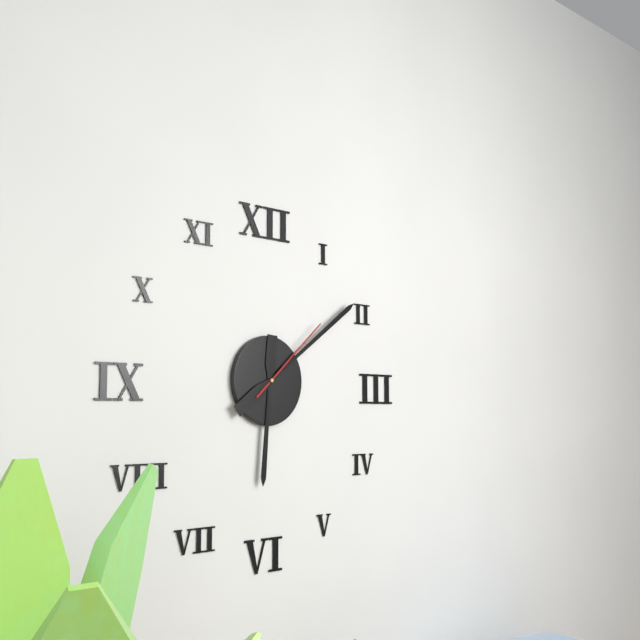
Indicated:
6.09.08
